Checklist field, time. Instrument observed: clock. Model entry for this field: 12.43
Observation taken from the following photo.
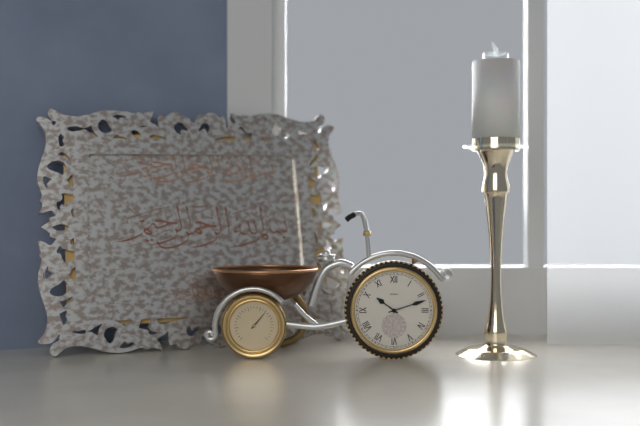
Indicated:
10.12
